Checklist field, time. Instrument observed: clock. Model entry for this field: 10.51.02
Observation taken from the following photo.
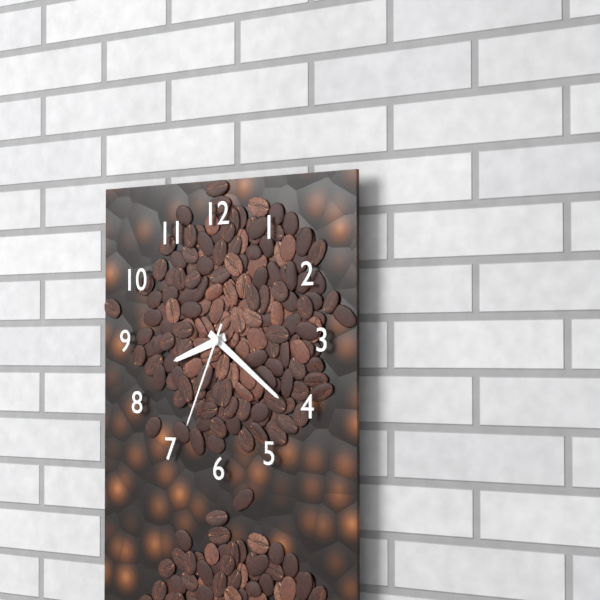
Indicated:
8.21.34
